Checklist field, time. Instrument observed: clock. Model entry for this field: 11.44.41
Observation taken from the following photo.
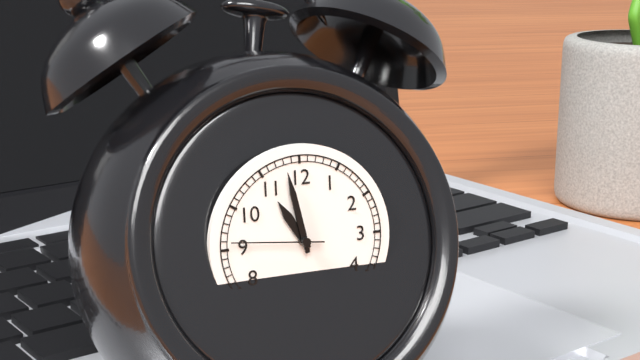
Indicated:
10.58.46
